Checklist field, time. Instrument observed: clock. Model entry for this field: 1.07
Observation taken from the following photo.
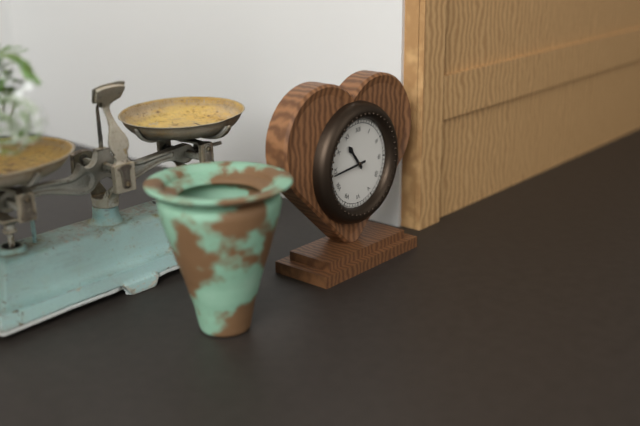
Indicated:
10.44
